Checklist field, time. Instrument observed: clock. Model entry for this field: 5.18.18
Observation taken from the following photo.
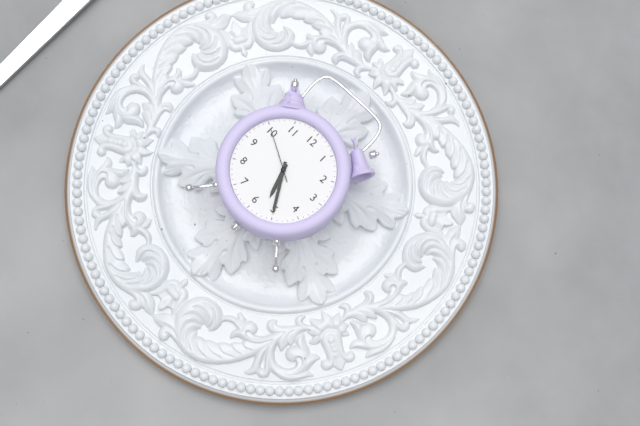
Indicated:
5.25.50
